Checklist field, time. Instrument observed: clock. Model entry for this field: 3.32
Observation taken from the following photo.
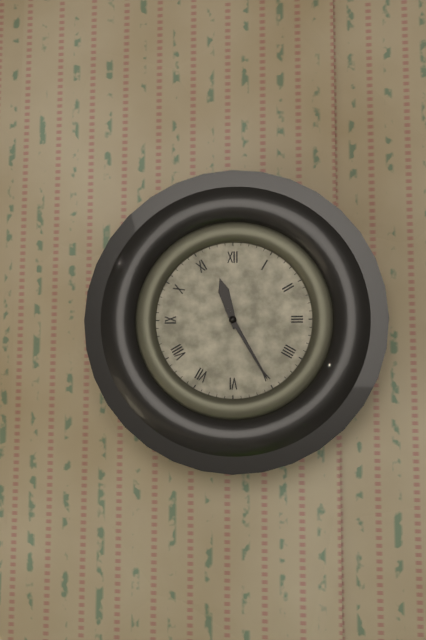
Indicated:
11.25
